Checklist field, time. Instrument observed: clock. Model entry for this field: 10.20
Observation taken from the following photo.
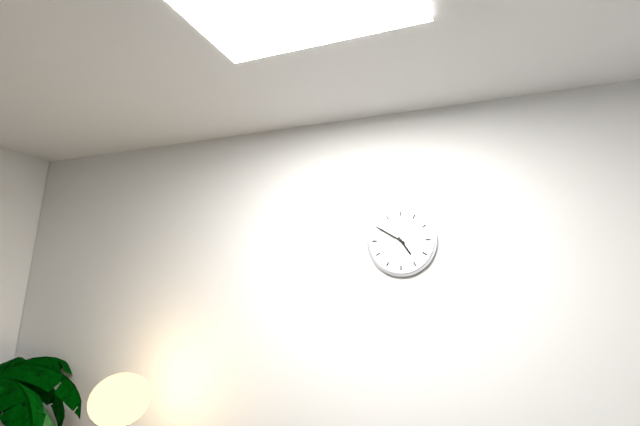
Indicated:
4.50
